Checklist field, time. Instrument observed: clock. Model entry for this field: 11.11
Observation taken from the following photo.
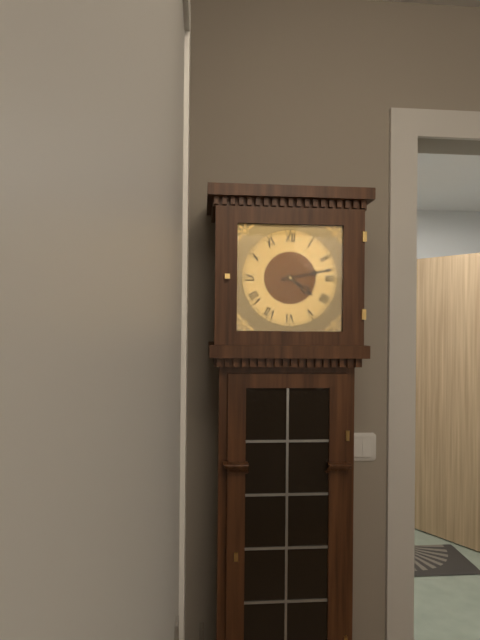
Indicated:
4.13
